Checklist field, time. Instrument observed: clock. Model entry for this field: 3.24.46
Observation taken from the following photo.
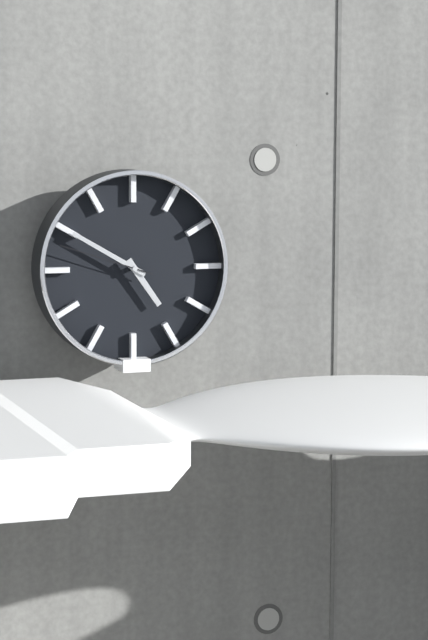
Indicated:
4.50.48
